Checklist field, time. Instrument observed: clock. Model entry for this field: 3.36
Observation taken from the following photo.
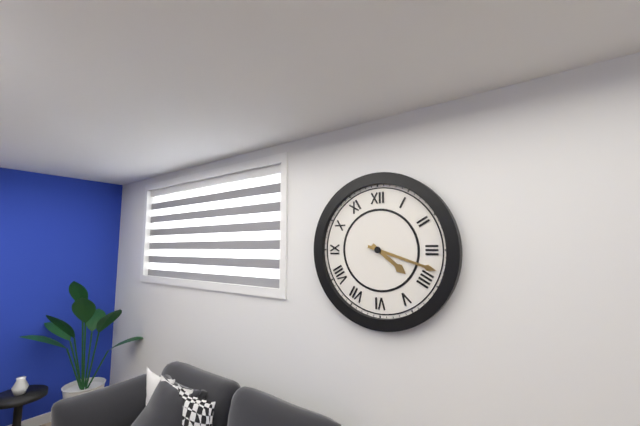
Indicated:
4.18
